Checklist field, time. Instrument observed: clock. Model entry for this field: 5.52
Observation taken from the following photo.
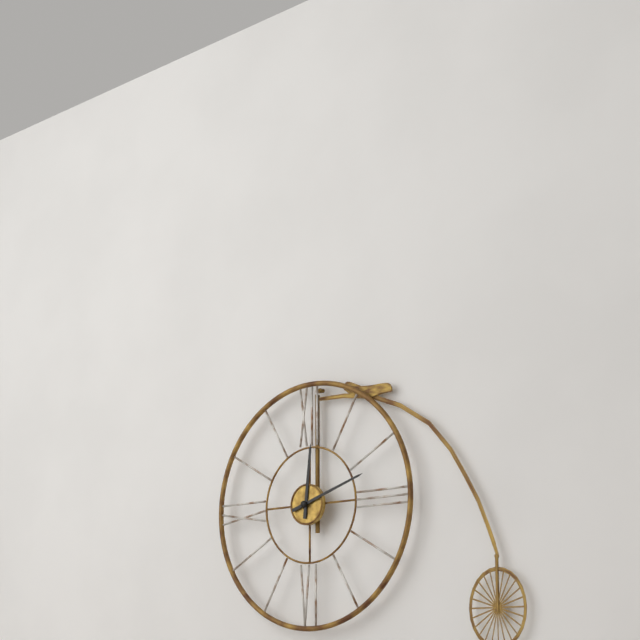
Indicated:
12.12
